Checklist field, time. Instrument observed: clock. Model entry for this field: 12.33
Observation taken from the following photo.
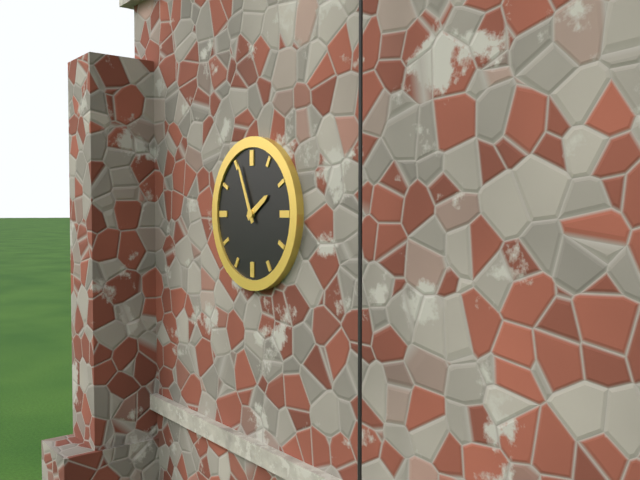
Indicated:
1.56
